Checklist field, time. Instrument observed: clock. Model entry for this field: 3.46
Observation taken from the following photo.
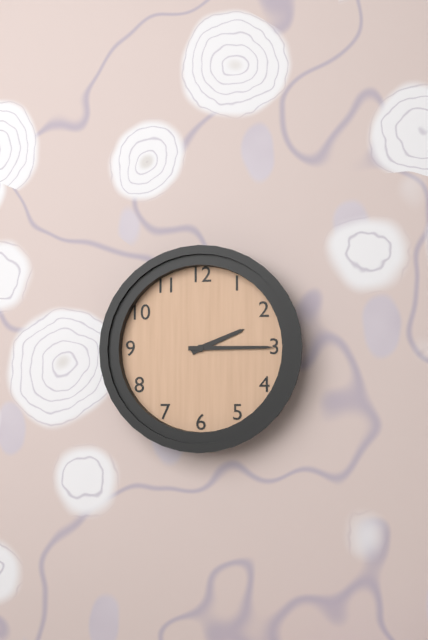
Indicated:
2.15
